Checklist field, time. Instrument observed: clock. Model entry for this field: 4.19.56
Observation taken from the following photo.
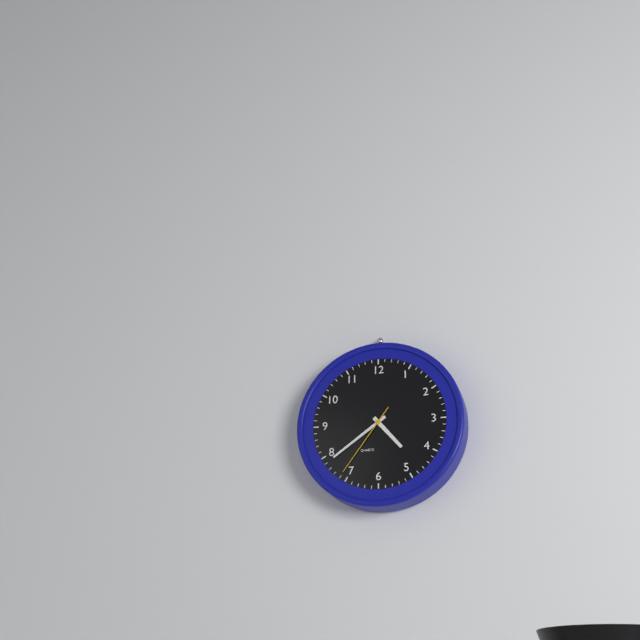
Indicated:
4.39.36
